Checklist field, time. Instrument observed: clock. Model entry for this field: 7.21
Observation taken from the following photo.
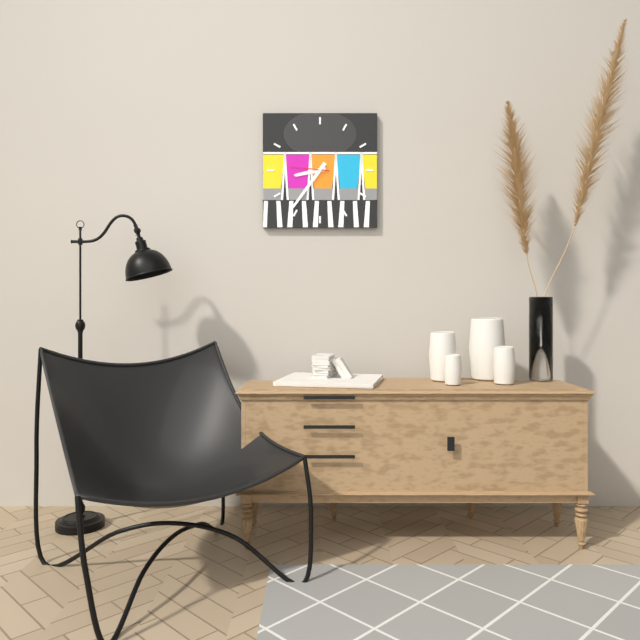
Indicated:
8.36
